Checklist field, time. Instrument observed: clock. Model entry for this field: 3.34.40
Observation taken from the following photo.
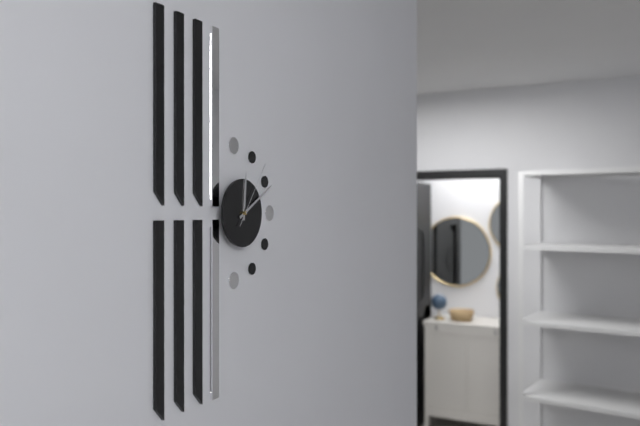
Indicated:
12.10.06
